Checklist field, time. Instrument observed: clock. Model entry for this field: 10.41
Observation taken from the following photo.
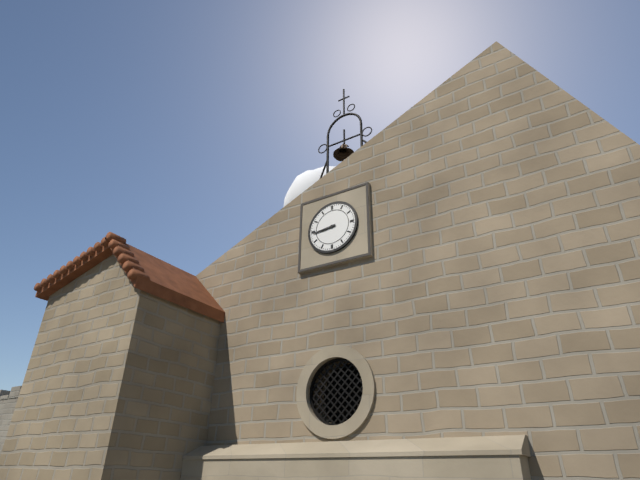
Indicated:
8.44
